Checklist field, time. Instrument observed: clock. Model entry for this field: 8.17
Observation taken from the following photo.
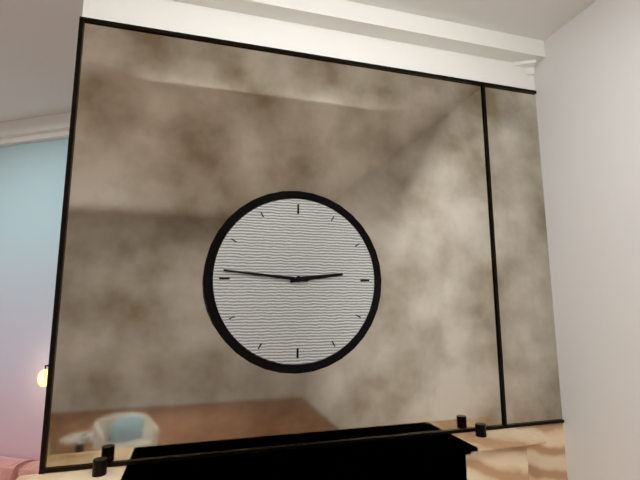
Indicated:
2.46
